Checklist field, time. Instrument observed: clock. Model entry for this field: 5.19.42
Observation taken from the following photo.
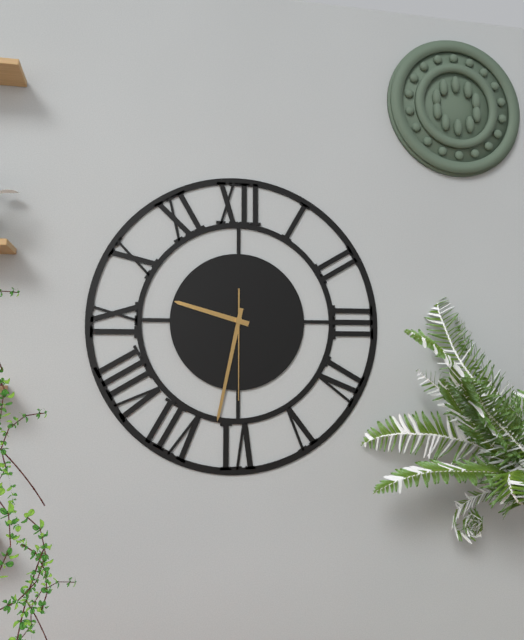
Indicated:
9.32.30
